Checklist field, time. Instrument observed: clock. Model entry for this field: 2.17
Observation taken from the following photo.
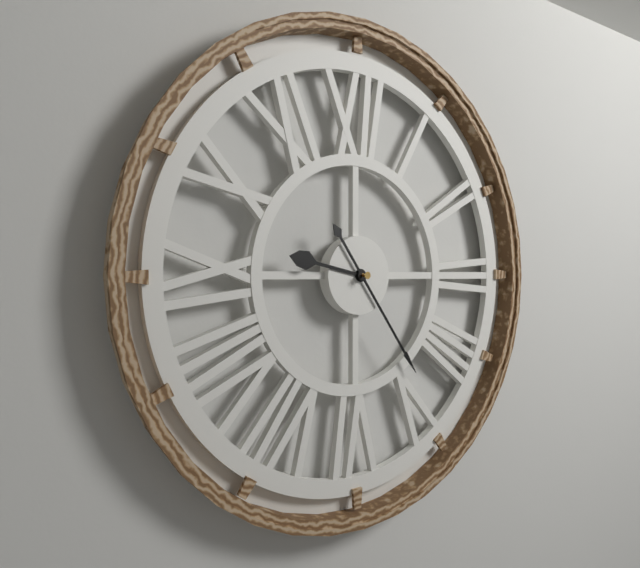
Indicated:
9.24
